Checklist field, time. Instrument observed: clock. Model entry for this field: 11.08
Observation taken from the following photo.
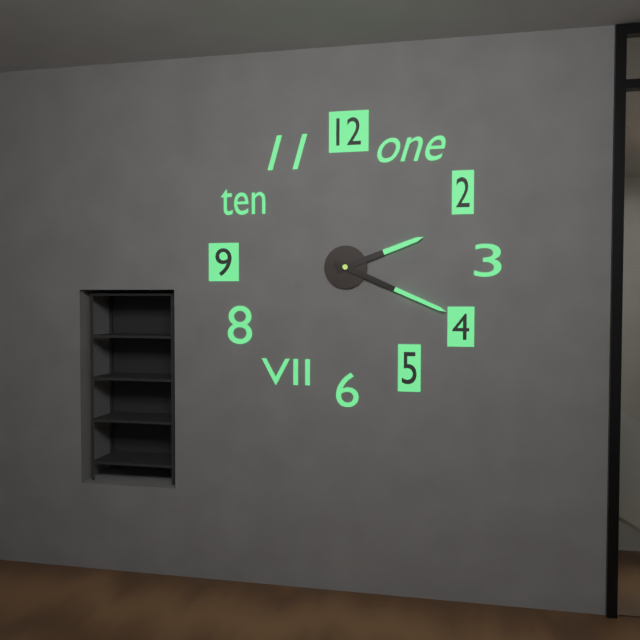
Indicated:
2.19
